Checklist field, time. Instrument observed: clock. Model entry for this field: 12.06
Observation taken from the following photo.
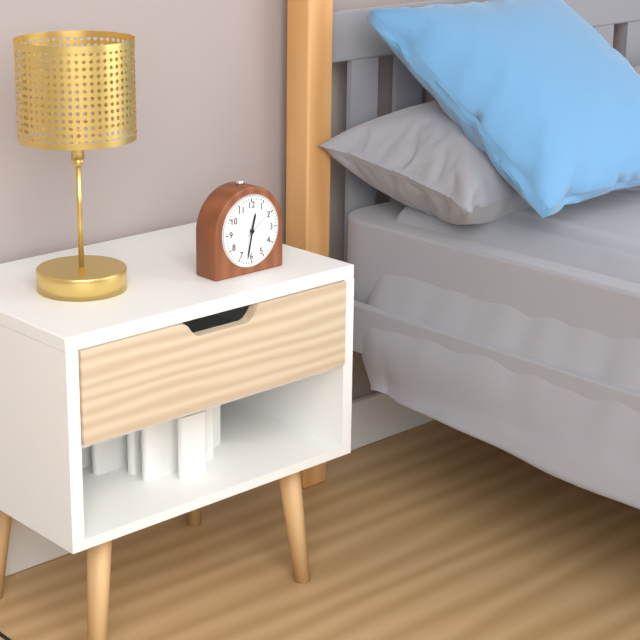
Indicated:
12.32
